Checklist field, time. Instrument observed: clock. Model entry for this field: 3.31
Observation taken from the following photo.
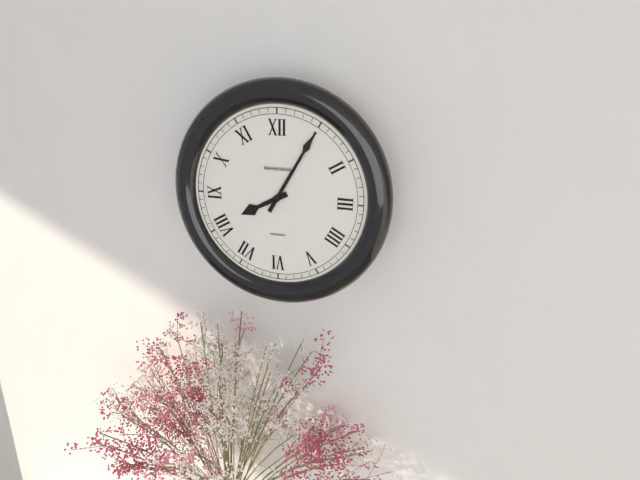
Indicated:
8.05
